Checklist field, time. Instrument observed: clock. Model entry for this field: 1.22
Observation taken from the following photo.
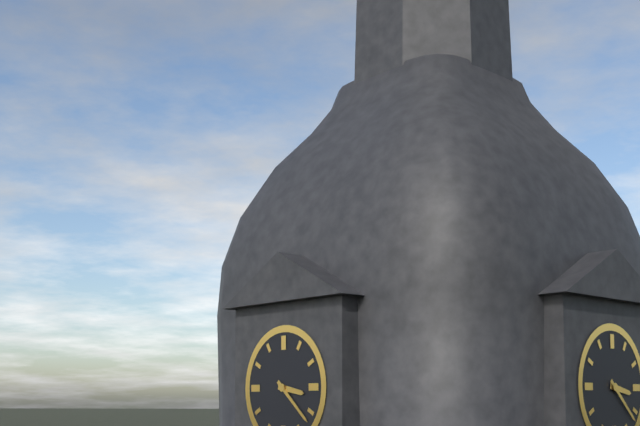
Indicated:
3.22
